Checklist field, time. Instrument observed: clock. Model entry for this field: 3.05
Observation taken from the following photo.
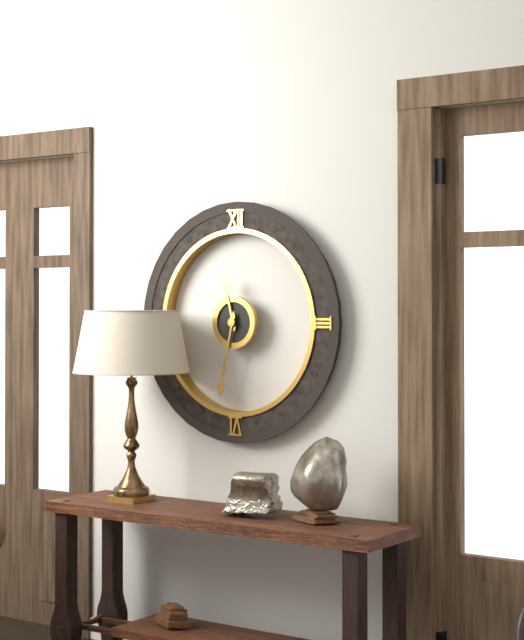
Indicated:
11.32
